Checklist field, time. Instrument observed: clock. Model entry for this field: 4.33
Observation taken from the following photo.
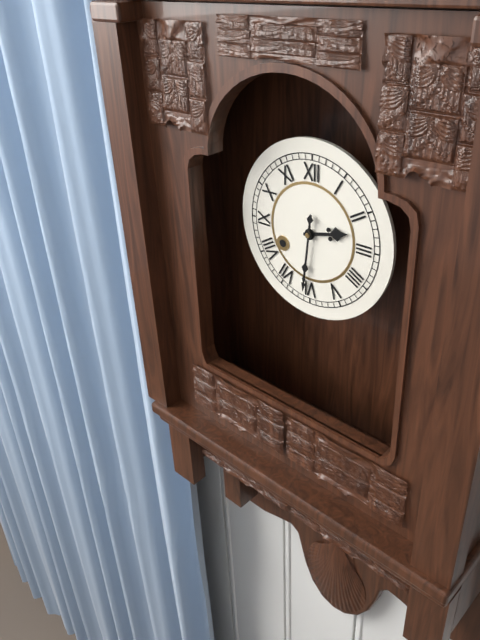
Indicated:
2.31
